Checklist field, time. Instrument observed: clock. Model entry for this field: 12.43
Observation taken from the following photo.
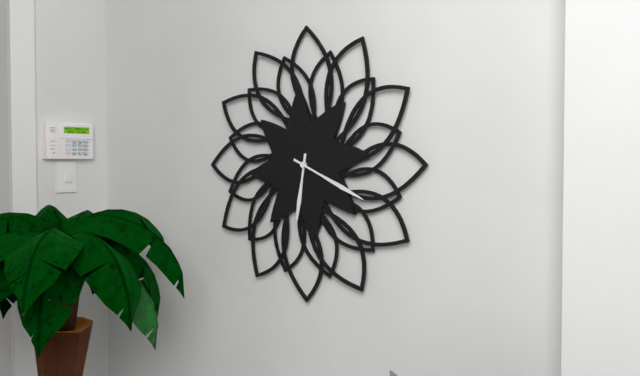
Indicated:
6.19
